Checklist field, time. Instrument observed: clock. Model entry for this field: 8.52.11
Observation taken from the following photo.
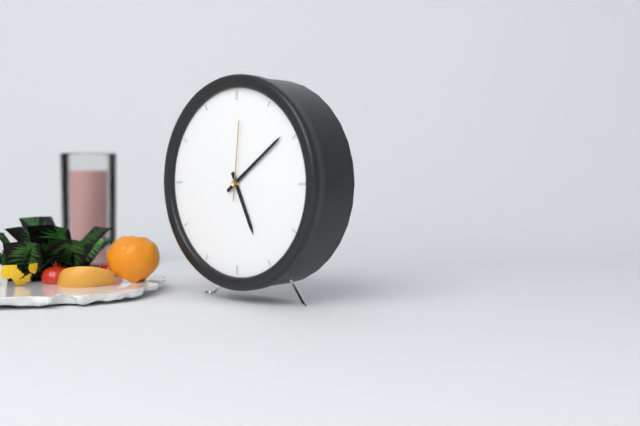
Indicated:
5.09.01
